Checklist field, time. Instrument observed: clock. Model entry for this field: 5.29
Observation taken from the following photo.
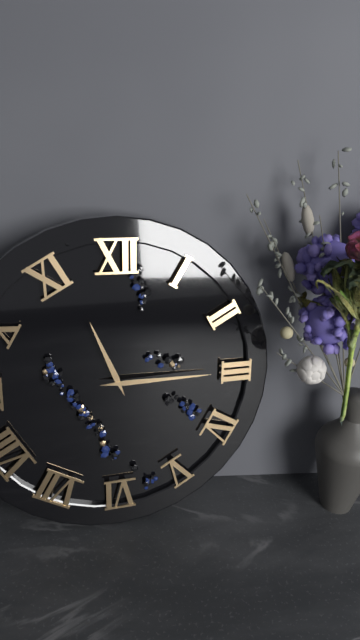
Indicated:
11.15
